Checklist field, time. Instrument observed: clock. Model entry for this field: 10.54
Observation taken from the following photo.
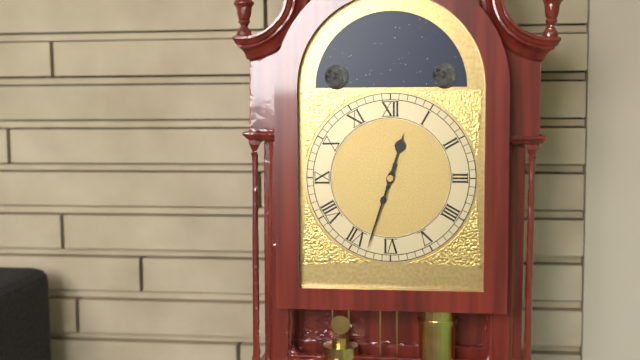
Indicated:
12.33
